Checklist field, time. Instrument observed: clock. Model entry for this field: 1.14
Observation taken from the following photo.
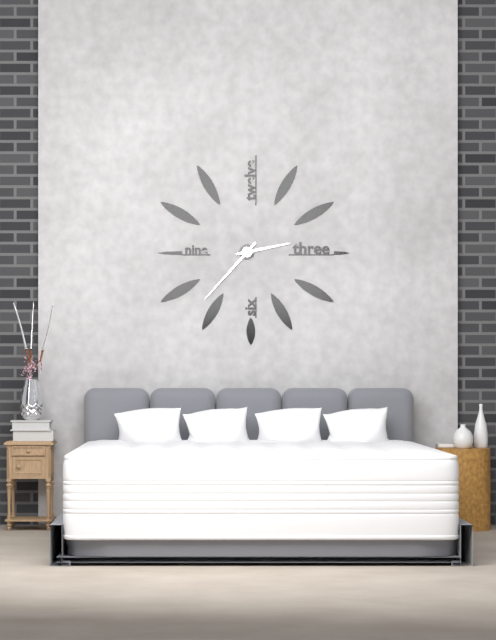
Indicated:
2.37
